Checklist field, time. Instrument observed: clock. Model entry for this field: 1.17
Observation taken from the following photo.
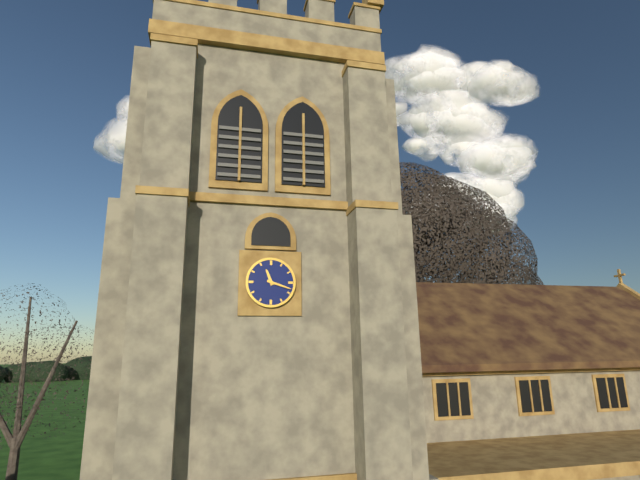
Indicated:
11.18
